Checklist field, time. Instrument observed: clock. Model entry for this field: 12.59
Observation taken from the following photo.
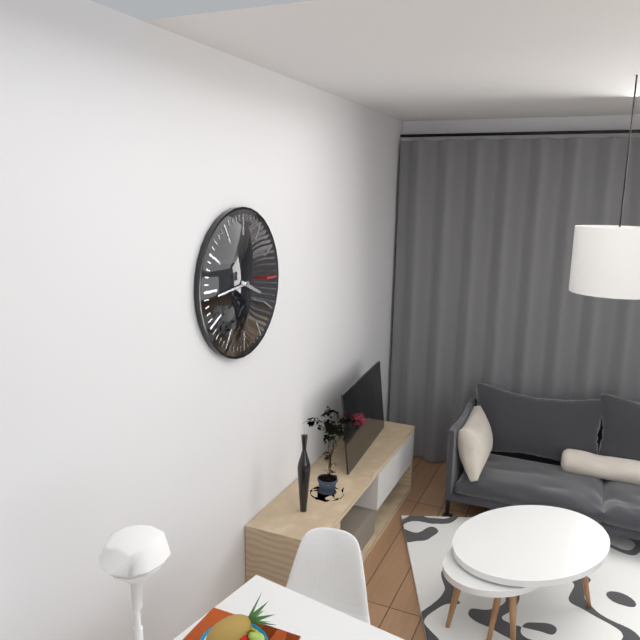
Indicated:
3.44
